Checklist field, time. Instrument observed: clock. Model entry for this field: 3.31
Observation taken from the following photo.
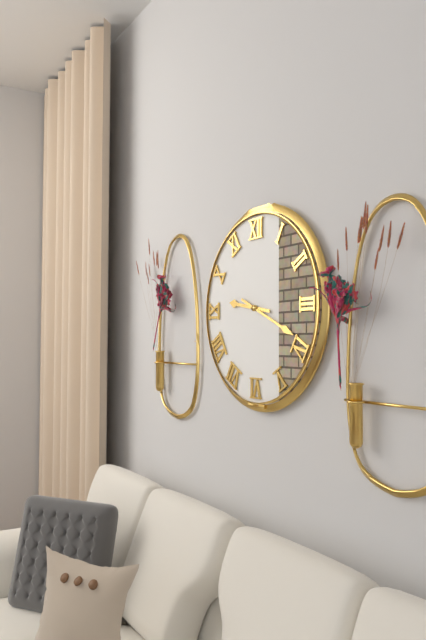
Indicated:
9.19
